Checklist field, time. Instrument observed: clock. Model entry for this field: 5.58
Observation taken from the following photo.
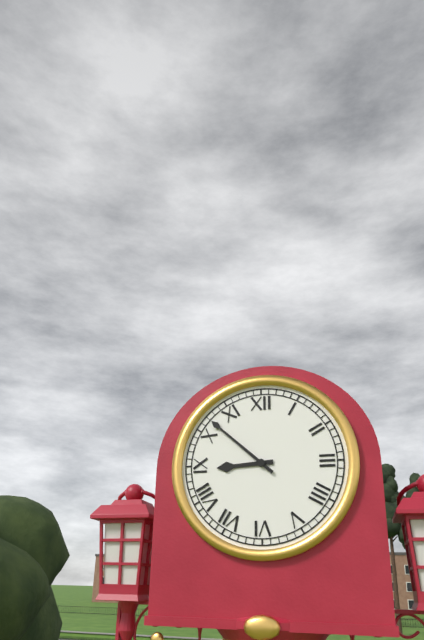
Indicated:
8.52
